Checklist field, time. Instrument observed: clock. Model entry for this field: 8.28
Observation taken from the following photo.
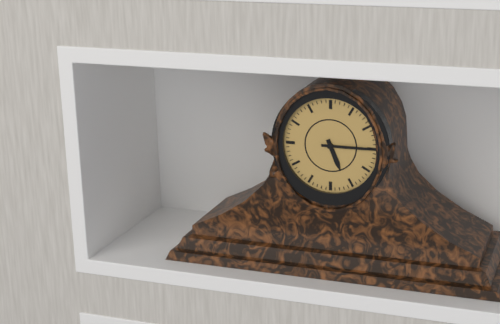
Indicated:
5.15
